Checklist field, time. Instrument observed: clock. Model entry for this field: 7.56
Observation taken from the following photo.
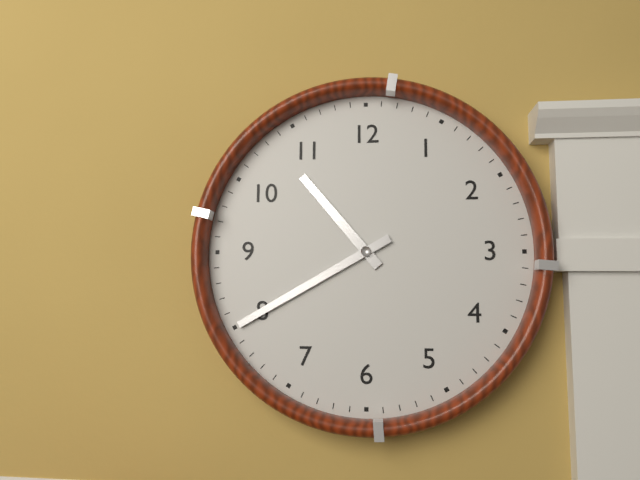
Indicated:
10.40
